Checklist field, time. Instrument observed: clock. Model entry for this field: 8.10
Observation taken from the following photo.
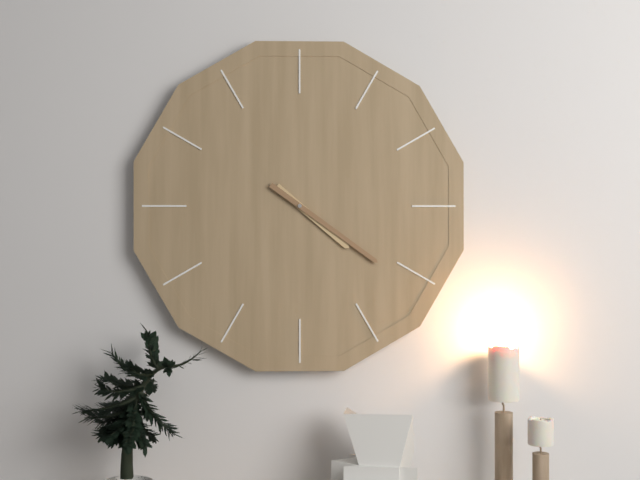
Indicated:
4.21
